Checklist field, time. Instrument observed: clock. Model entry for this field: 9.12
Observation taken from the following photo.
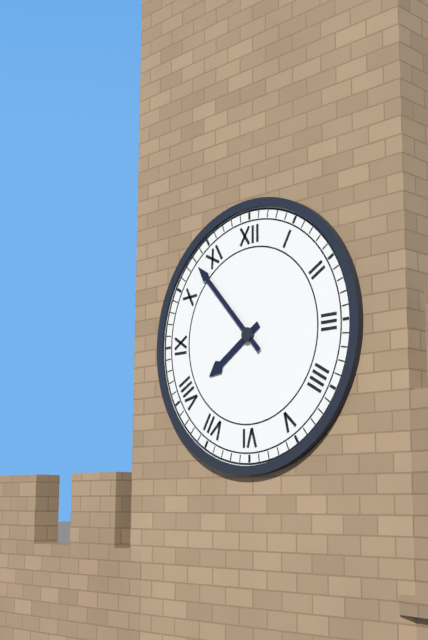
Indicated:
7.53
